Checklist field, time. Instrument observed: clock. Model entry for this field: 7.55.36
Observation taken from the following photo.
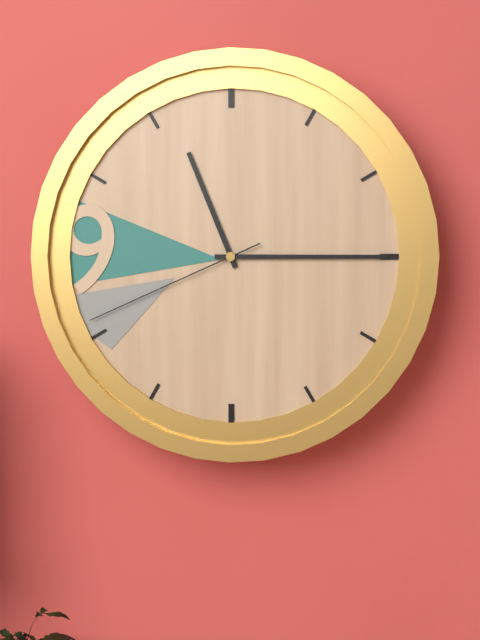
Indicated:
11.15.41
